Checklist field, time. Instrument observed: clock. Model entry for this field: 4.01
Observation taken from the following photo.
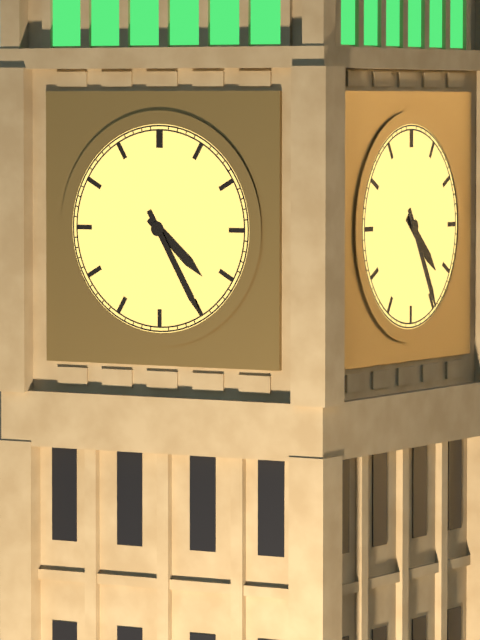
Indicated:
4.25
